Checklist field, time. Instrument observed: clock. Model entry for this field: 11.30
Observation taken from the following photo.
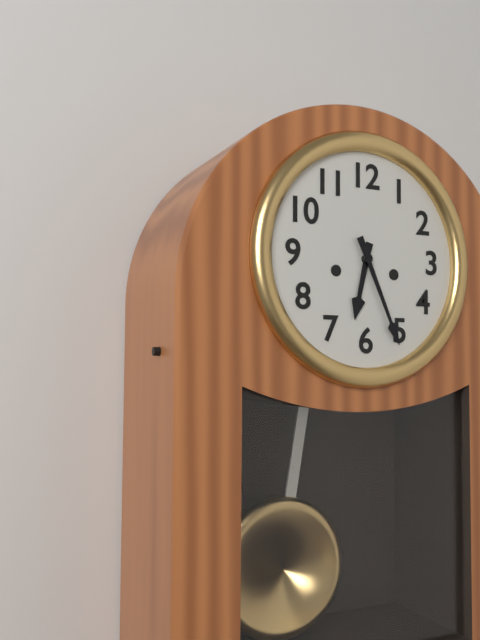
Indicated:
6.26
